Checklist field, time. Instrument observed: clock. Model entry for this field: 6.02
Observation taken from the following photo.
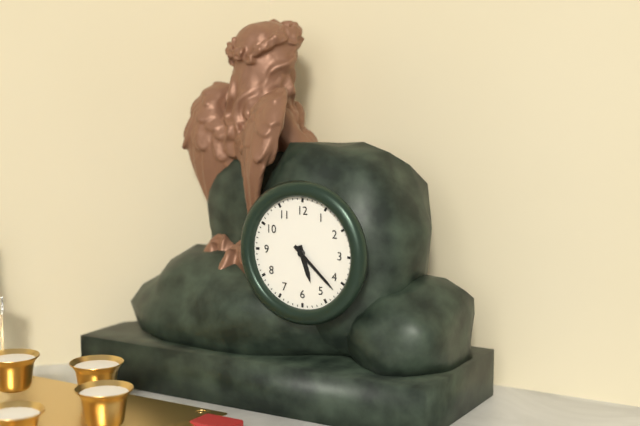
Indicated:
5.22
